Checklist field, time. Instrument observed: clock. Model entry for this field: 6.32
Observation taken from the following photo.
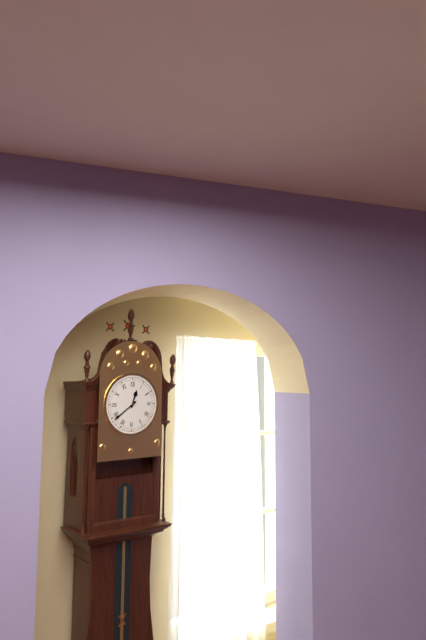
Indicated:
12.39
